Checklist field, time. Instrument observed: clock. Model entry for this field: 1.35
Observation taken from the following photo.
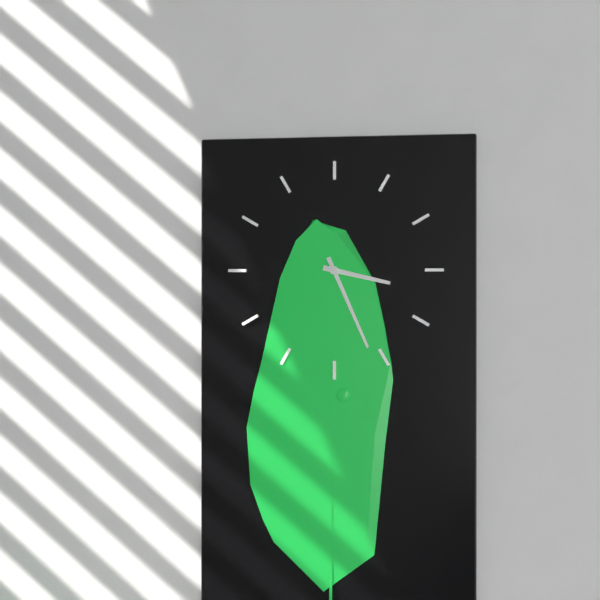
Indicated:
3.26
